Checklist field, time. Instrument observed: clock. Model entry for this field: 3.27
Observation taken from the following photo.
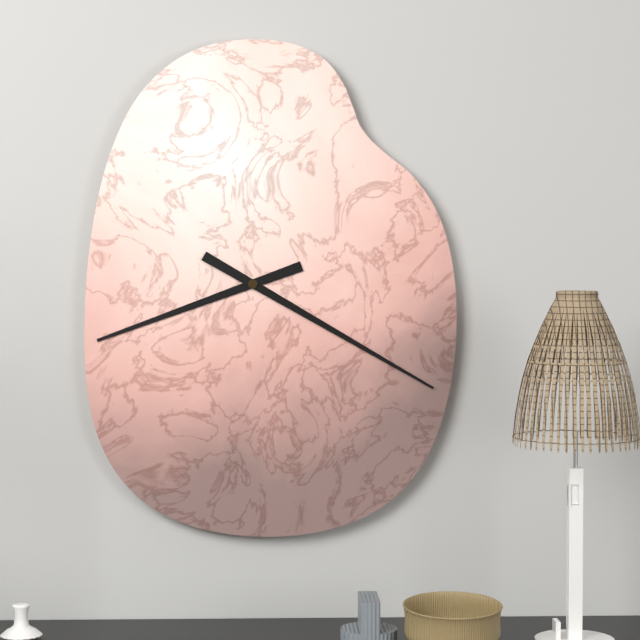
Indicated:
8.20
